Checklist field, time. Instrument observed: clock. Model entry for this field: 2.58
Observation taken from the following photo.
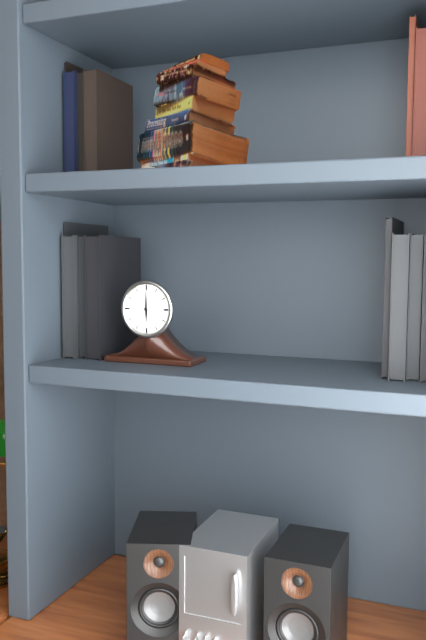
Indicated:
6.00
